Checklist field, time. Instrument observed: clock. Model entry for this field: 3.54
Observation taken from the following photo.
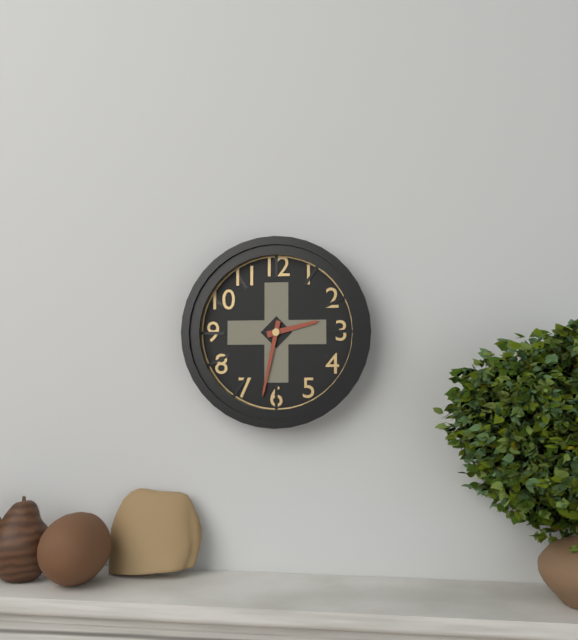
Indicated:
2.32
